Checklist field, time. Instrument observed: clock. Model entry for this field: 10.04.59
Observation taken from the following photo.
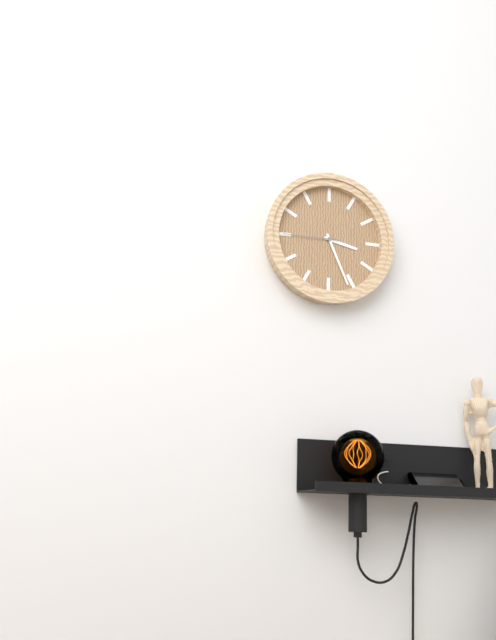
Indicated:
3.26.45
